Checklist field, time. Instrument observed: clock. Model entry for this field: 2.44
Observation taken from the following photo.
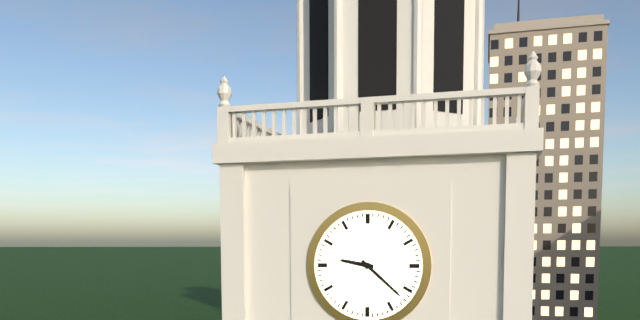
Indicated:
9.22
